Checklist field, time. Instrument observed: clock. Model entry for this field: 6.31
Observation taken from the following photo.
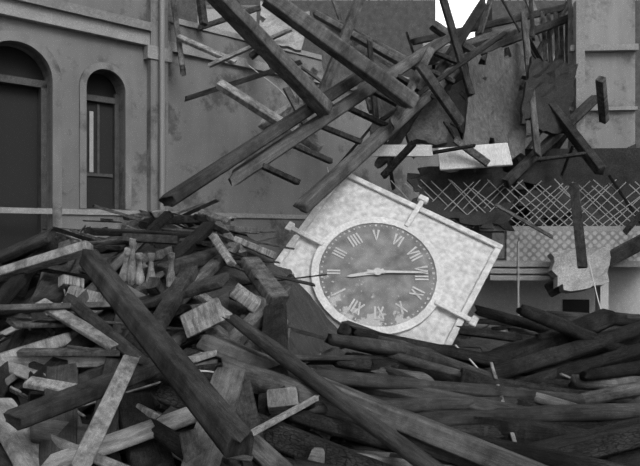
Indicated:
1.40
